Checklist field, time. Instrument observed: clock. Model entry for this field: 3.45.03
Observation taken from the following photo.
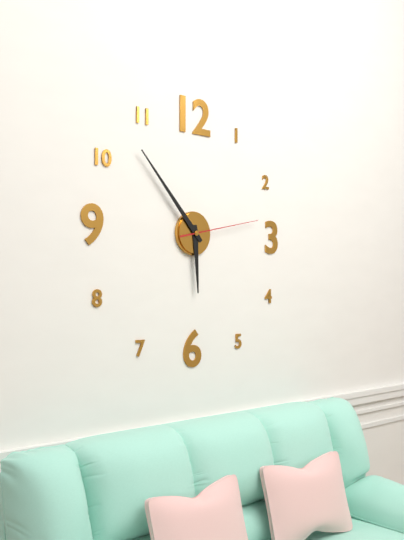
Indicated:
5.53.13
